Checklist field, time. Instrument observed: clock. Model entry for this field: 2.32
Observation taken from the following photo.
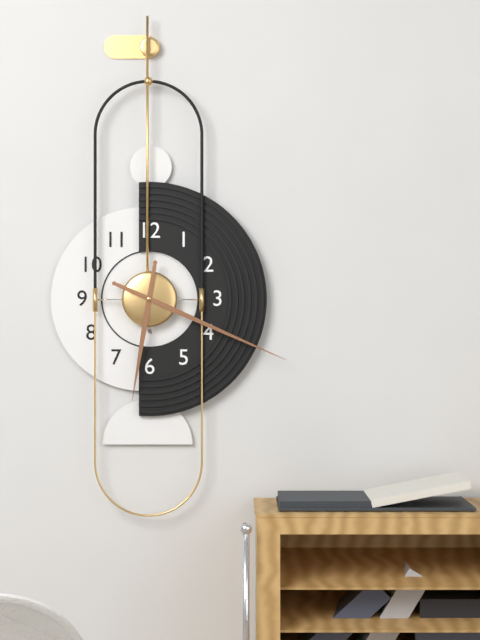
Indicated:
6.19
